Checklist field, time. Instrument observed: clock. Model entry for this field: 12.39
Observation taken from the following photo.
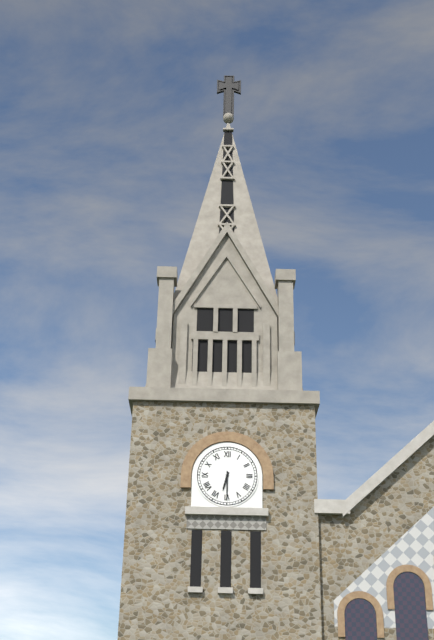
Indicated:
6.30
